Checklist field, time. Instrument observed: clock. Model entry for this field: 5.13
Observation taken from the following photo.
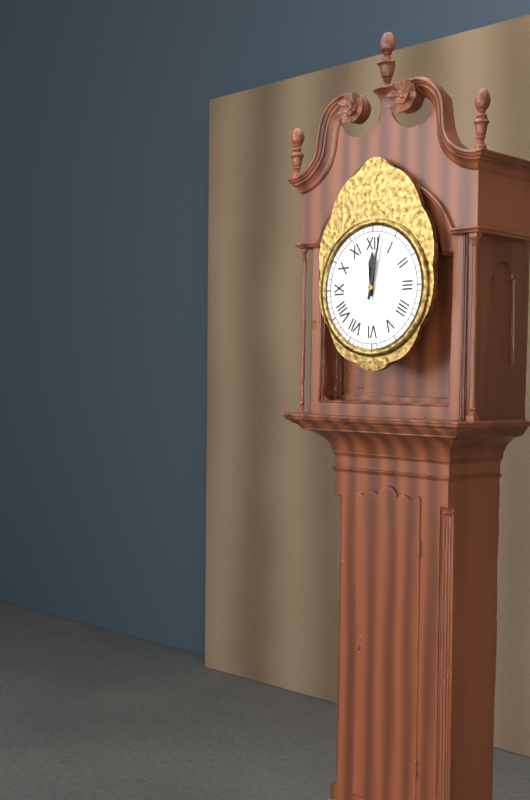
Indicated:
12.02
